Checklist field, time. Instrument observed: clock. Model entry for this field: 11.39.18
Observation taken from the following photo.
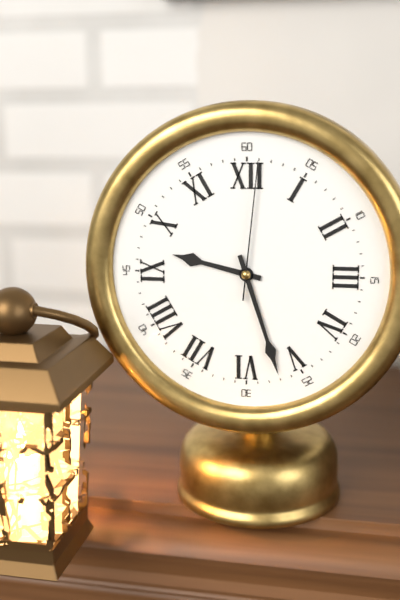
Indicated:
9.27.01
